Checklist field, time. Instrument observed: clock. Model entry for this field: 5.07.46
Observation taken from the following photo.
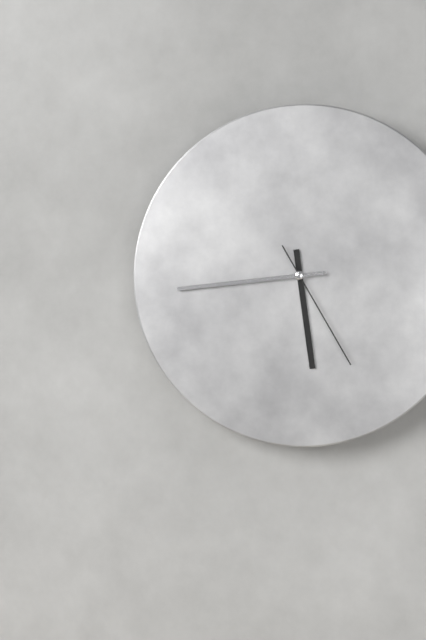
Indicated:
5.44.25
